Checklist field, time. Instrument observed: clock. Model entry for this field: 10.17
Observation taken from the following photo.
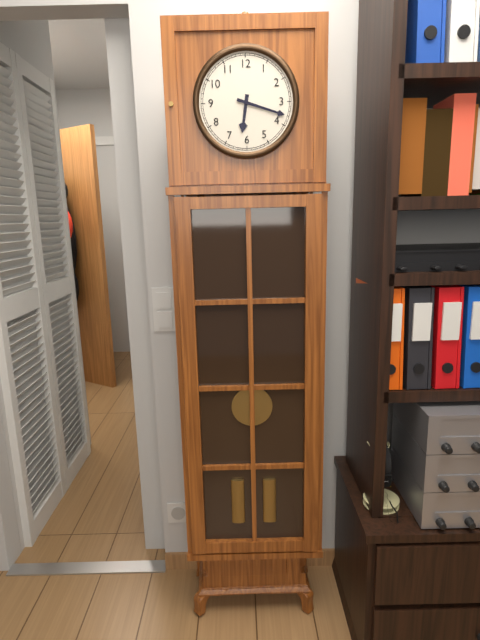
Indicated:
6.18
